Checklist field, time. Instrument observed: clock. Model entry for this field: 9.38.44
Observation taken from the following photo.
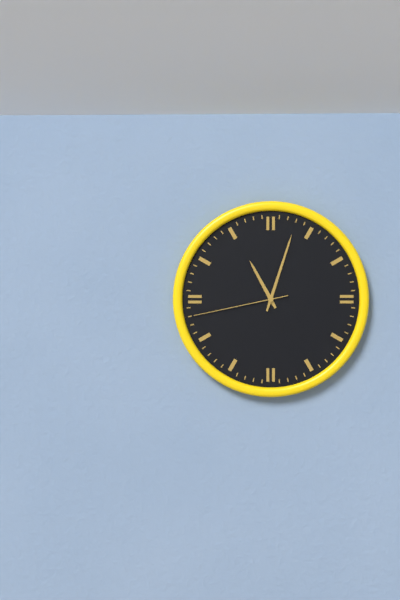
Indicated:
11.03.43
